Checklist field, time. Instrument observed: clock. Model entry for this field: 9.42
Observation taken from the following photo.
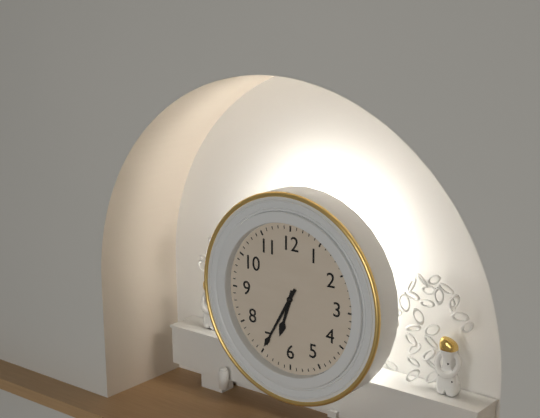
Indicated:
6.35
